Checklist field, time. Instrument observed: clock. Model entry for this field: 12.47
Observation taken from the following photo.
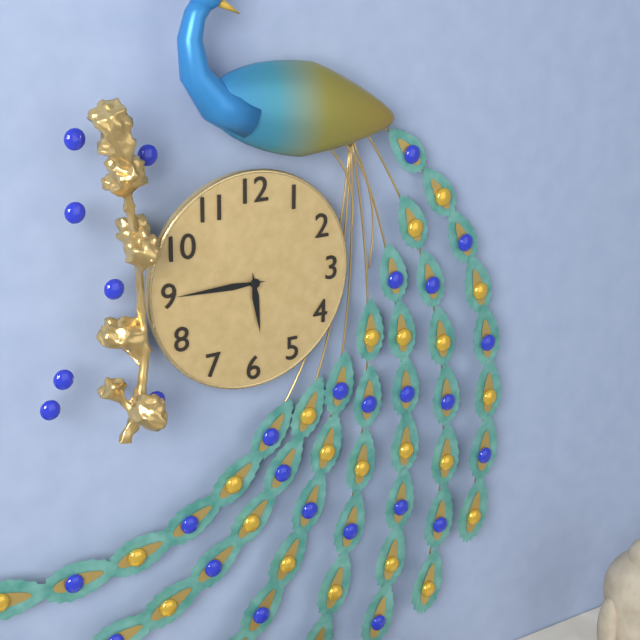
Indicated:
5.45
